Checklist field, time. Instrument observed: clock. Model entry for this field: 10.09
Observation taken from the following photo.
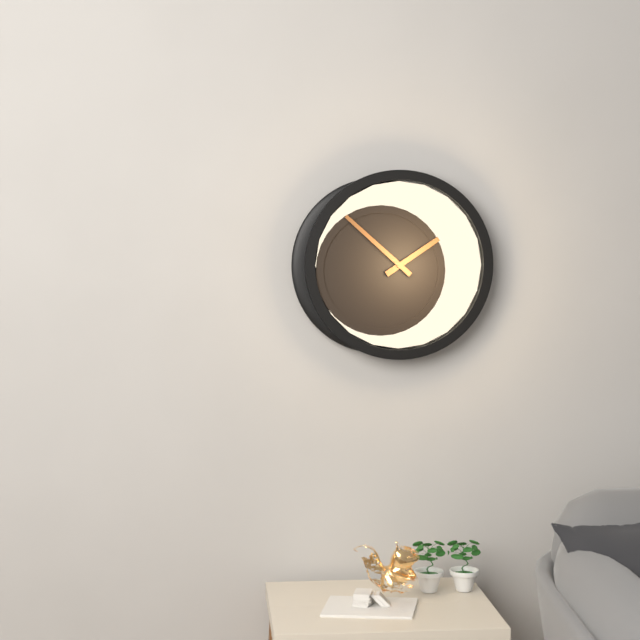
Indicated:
1.52
